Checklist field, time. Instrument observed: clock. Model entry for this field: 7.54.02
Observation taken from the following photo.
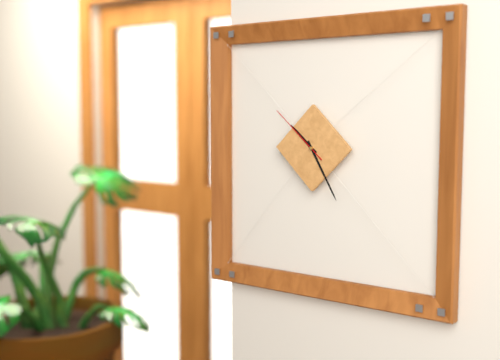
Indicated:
10.25.52
